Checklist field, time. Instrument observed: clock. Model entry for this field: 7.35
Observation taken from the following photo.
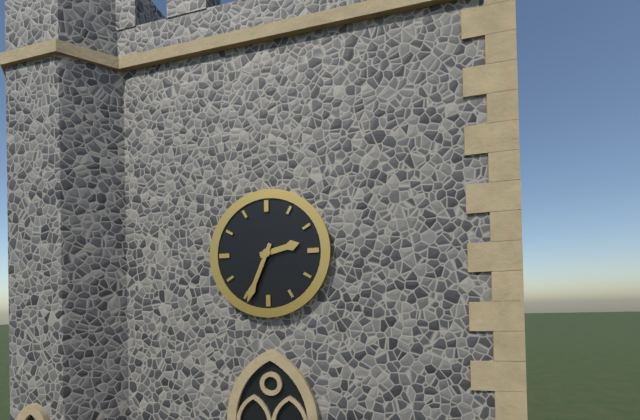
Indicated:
2.34
